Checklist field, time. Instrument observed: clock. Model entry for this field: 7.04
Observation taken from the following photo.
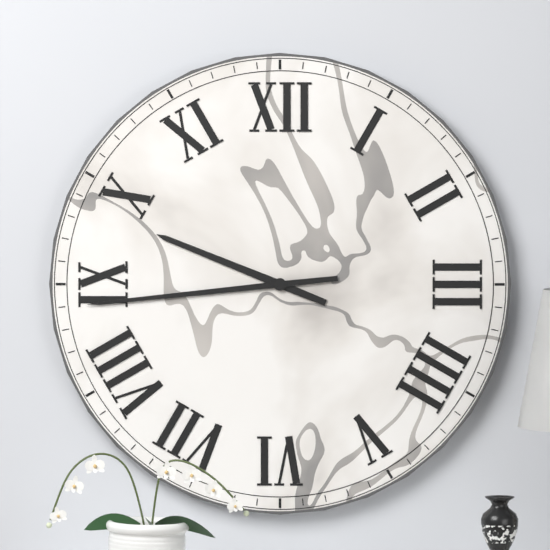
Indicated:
9.44
